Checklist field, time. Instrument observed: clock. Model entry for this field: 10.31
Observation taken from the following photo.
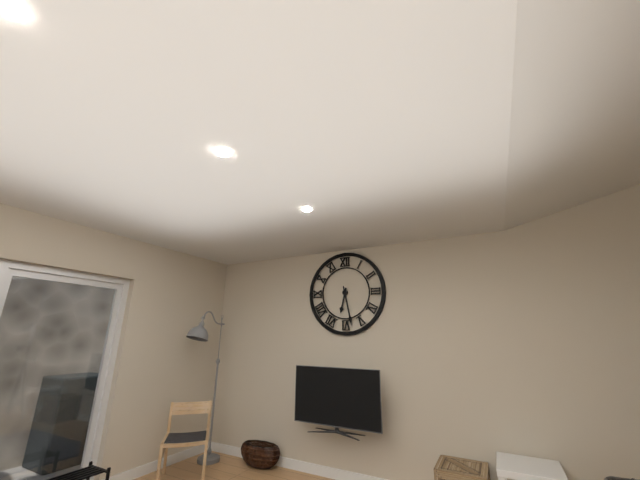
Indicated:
6.28
